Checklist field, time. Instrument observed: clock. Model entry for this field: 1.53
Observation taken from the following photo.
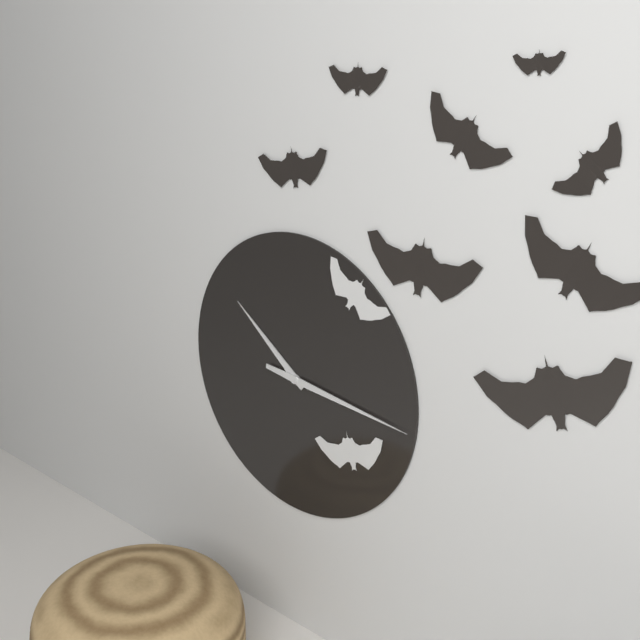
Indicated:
10.16
